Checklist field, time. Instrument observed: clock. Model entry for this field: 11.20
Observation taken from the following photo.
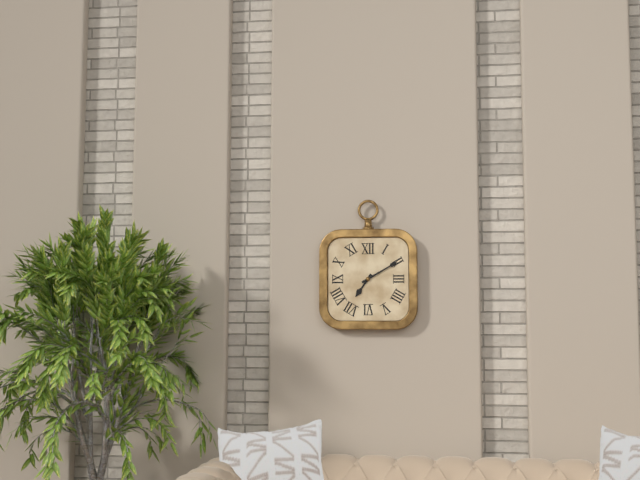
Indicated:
7.10
